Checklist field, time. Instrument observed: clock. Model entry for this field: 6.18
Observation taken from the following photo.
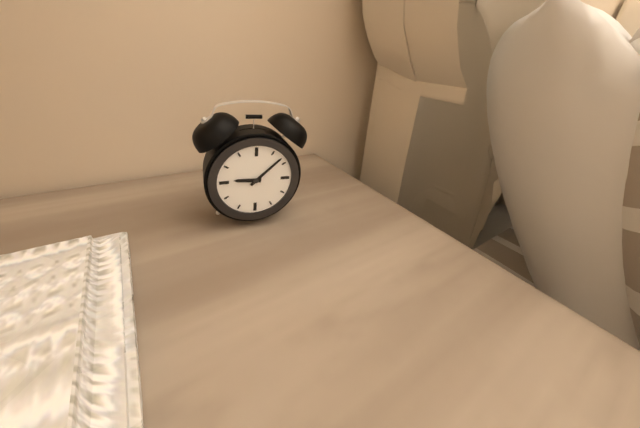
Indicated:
9.08
